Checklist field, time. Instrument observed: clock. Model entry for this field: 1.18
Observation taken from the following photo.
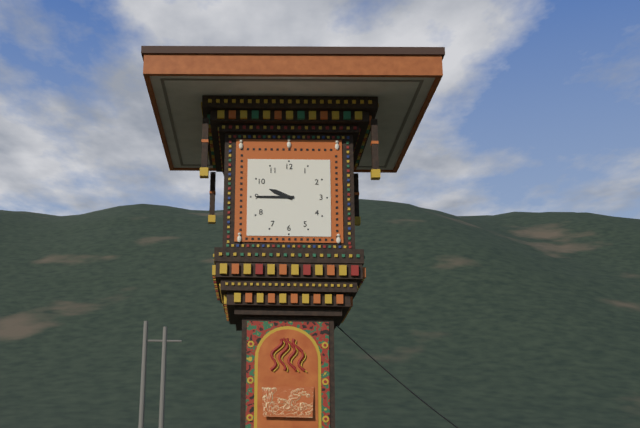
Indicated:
9.45
